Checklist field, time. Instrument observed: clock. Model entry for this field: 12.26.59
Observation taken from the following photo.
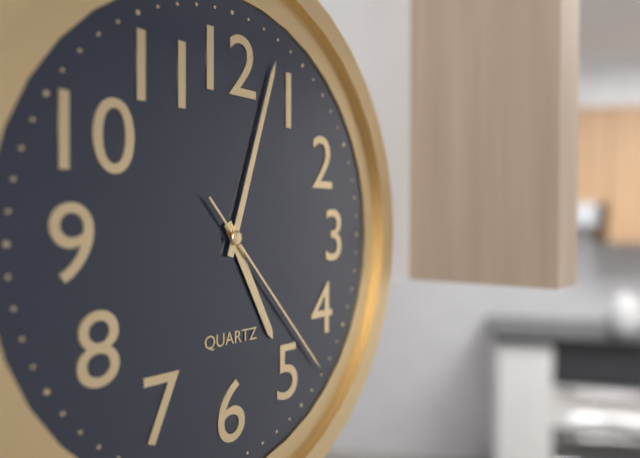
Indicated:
5.03.23
